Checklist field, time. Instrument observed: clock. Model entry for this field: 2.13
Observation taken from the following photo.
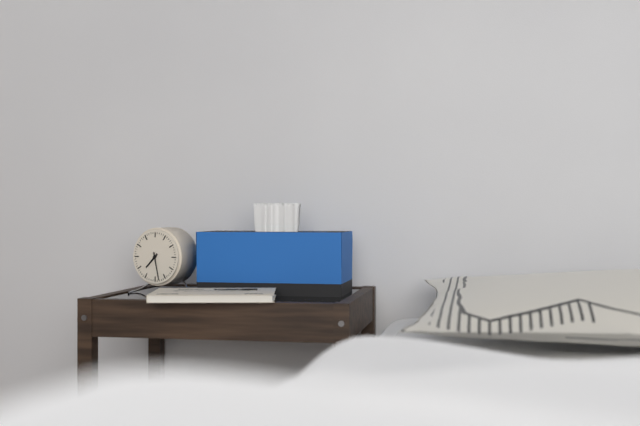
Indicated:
7.28
